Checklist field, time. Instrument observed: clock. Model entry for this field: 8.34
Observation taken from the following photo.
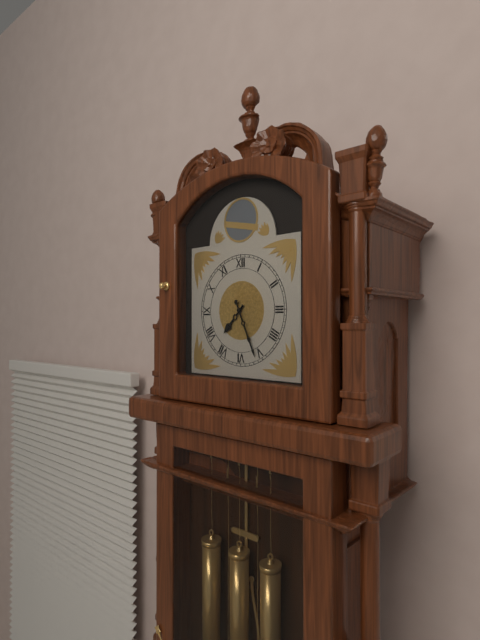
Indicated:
7.26
